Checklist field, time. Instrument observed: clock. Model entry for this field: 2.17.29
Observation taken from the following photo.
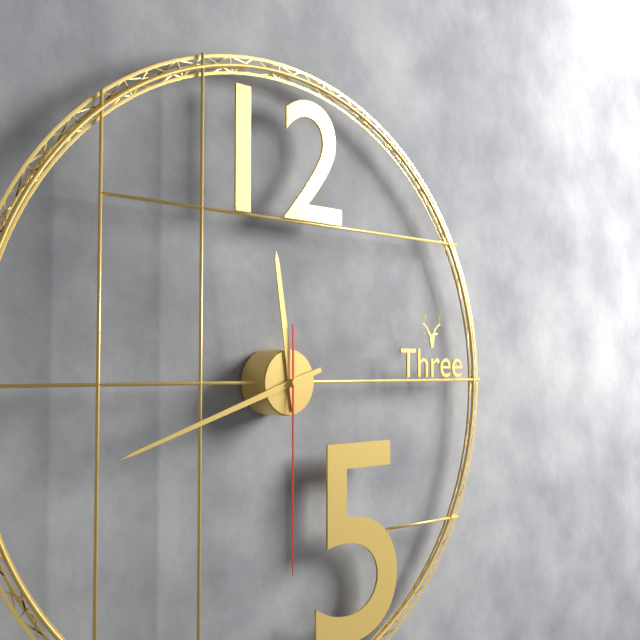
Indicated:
11.42.30
